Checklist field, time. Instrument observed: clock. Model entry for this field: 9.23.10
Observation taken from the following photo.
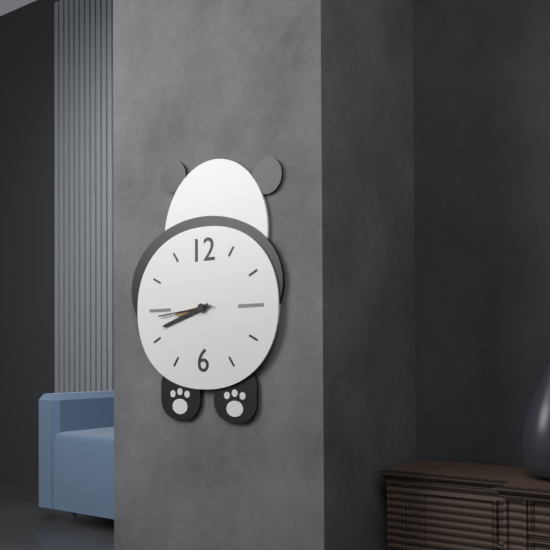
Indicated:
8.42.44
